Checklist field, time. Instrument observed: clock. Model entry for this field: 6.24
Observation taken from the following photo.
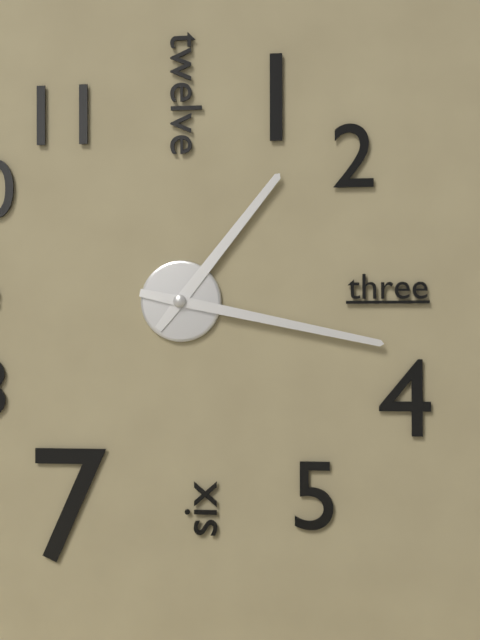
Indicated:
1.17
